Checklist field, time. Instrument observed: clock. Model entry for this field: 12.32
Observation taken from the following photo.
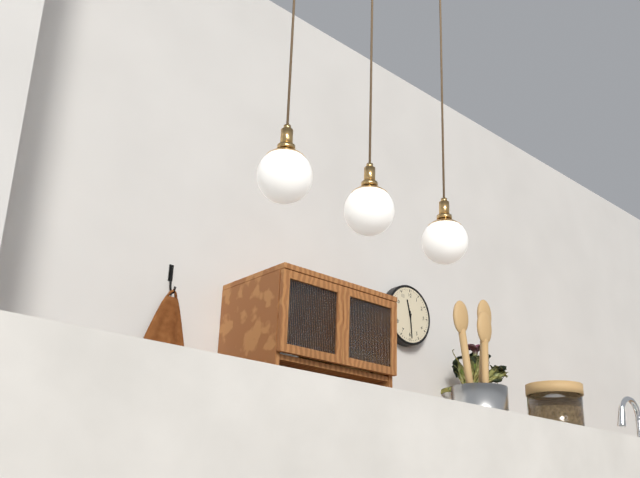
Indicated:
11.29
